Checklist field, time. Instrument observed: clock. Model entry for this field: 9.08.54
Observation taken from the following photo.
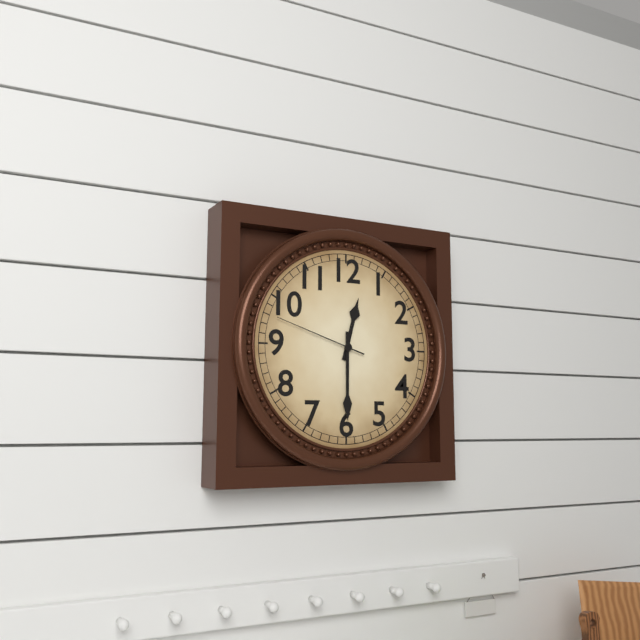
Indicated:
12.30.48
